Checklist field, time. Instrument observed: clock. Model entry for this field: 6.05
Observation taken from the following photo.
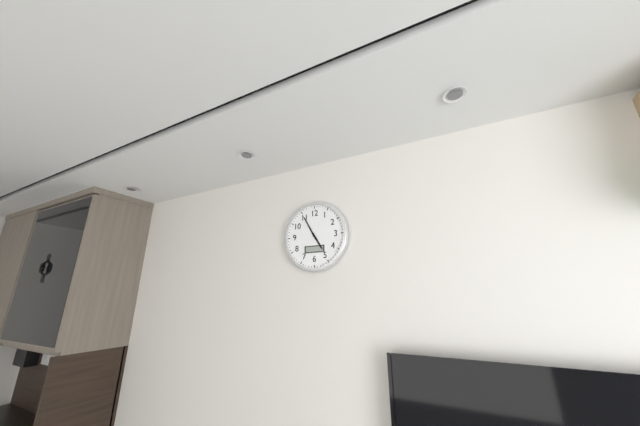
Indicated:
4.55
